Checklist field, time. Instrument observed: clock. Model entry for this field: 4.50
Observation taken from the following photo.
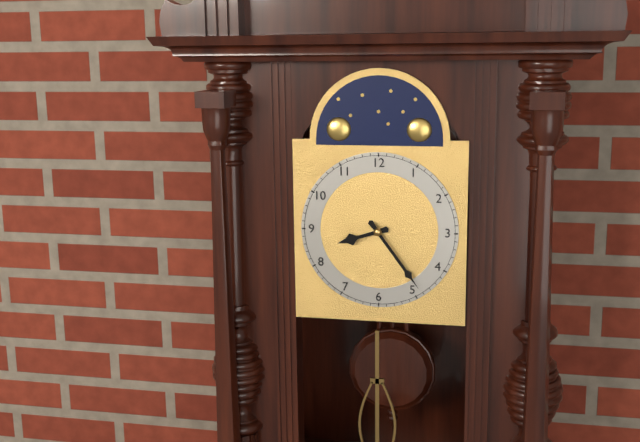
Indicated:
8.24
